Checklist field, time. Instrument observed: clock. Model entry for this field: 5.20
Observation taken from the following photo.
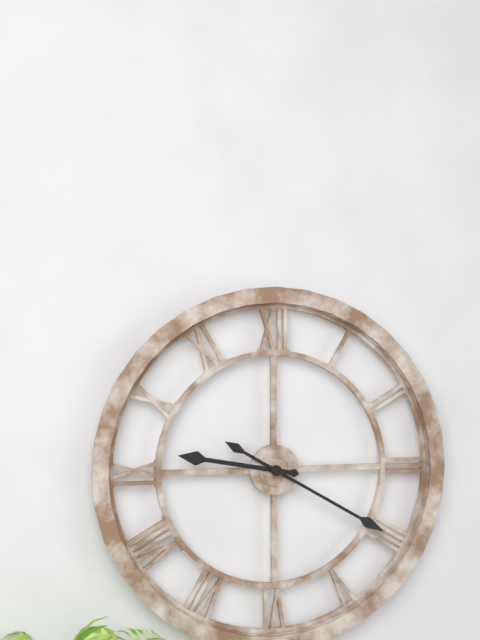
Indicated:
9.20
